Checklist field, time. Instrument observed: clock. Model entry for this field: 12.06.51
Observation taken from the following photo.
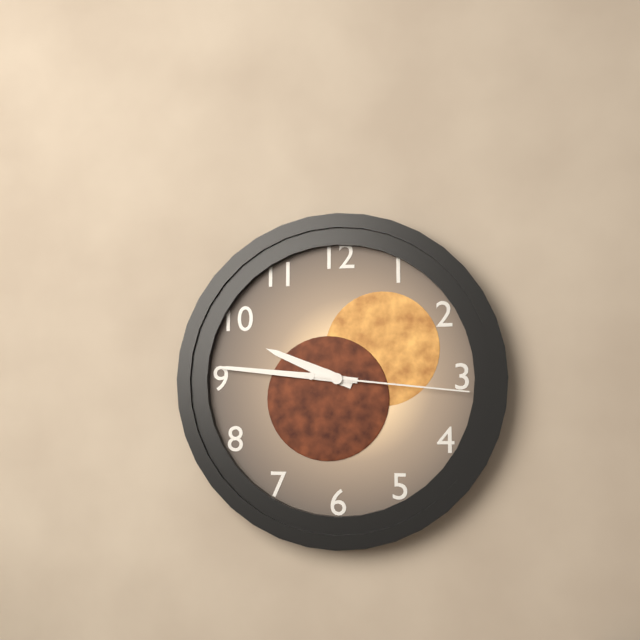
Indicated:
9.46.16
